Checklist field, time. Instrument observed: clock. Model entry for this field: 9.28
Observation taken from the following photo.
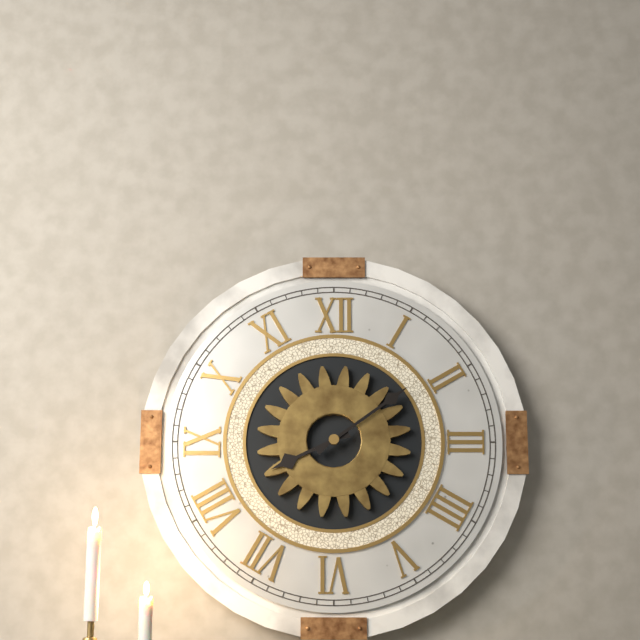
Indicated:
8.09
